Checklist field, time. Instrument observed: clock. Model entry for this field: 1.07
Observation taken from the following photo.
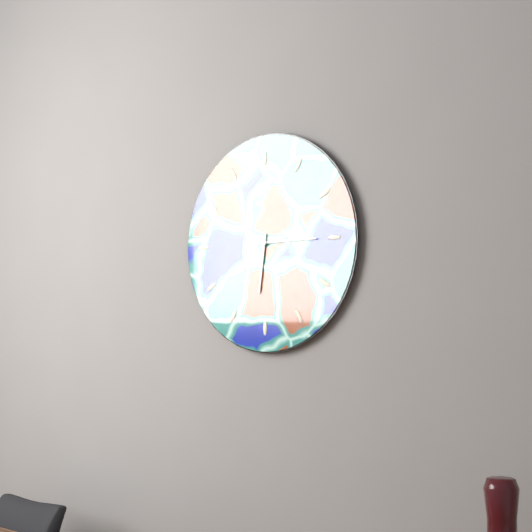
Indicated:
6.15
